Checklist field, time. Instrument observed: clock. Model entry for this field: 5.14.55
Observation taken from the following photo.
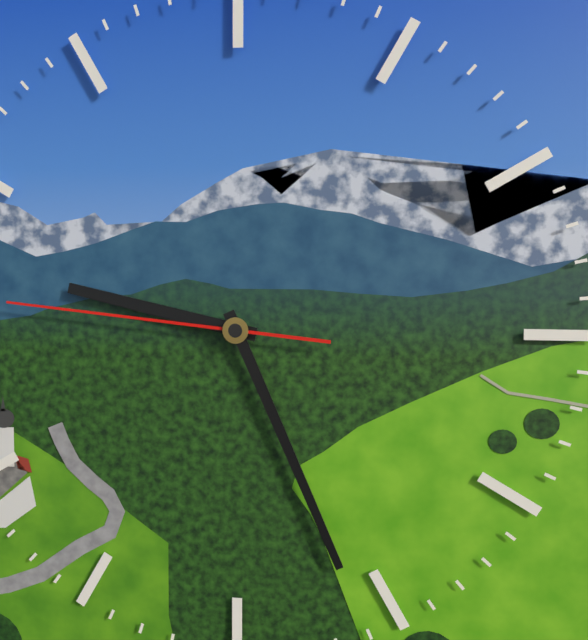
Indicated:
9.26.46
